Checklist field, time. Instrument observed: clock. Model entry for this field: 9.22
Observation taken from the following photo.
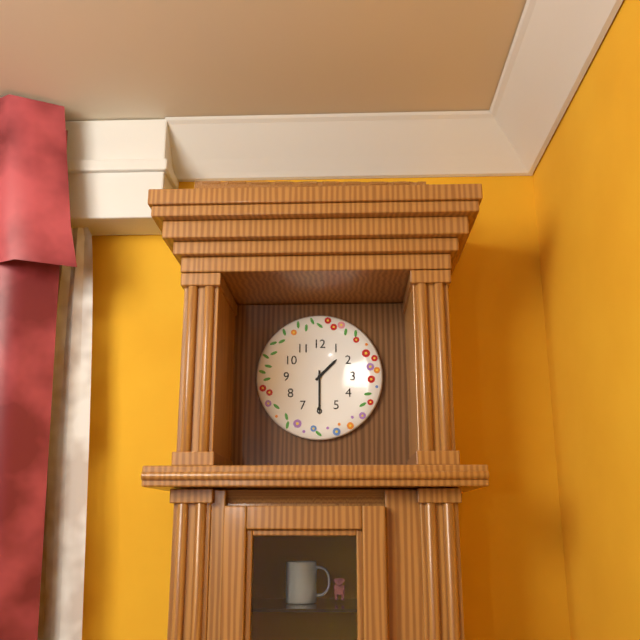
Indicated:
1.30
